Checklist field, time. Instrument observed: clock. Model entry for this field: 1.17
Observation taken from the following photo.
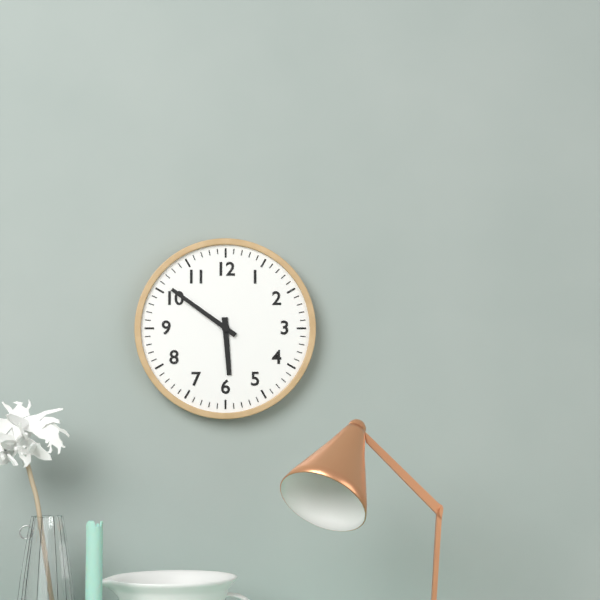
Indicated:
5.51
